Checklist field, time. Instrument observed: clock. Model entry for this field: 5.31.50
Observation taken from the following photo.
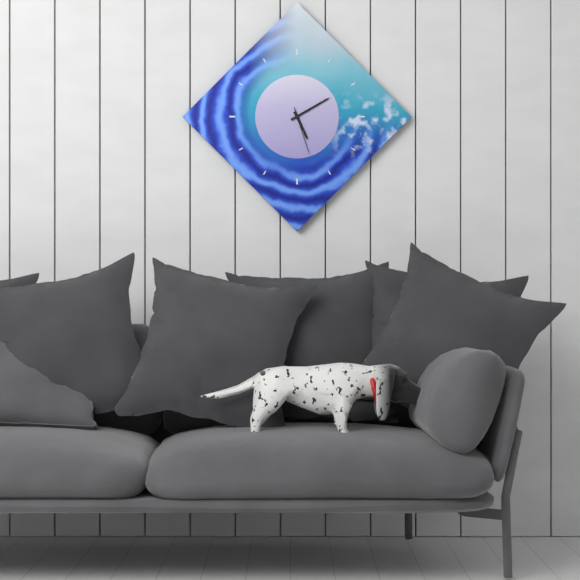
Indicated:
5.10.27
